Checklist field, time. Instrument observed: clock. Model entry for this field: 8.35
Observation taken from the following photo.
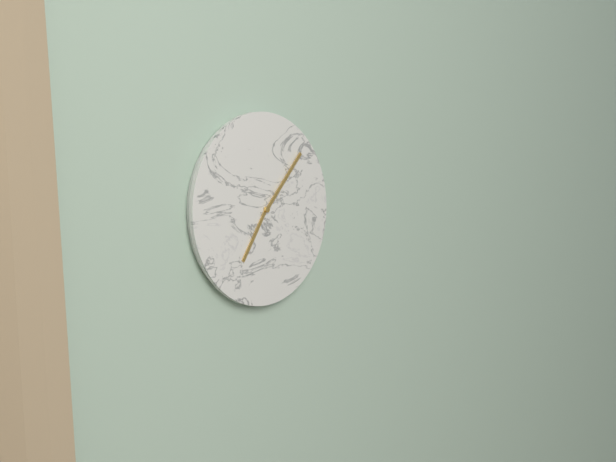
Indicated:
7.07
